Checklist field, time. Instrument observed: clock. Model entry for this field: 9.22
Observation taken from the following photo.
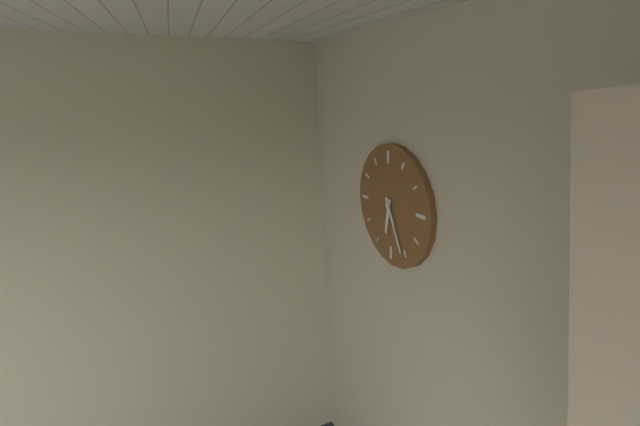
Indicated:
6.26
